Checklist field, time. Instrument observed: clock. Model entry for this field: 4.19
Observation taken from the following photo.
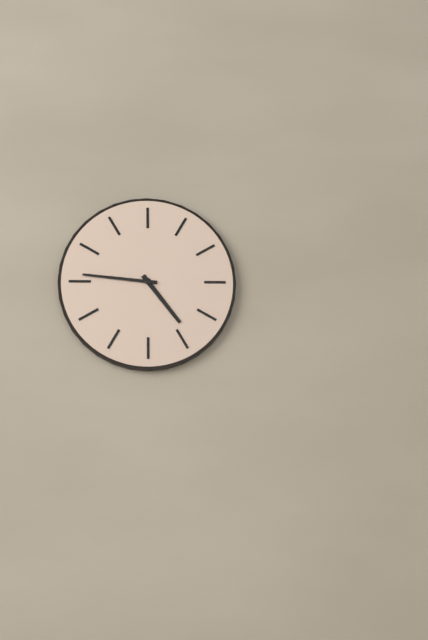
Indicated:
4.46
